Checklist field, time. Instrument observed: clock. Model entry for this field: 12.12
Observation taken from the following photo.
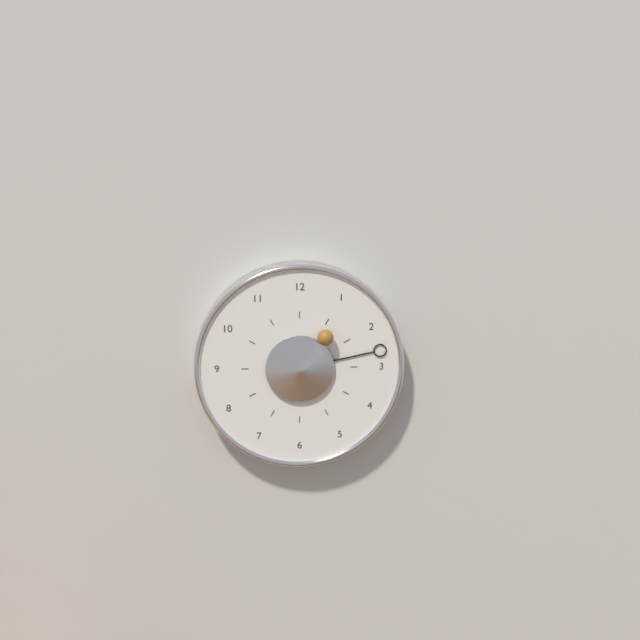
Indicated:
1.13
